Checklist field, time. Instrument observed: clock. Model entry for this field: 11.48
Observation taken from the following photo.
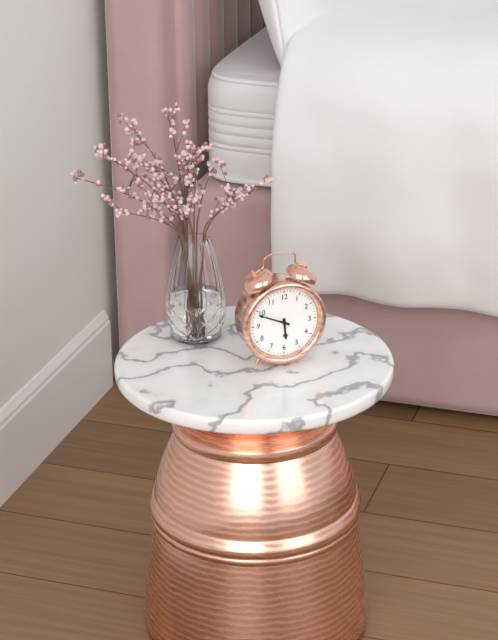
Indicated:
5.49
